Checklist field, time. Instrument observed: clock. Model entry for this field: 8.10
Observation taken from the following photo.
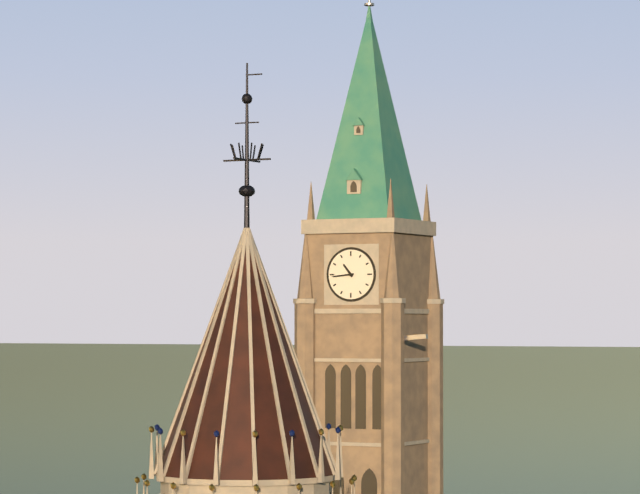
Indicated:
10.44
